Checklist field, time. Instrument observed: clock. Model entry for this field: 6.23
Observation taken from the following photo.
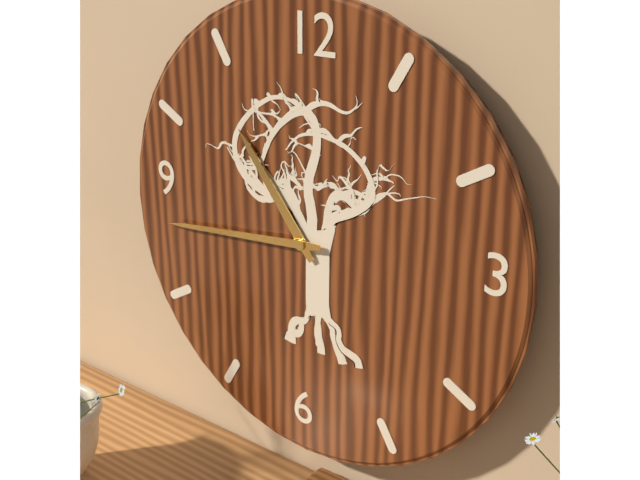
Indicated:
10.44
